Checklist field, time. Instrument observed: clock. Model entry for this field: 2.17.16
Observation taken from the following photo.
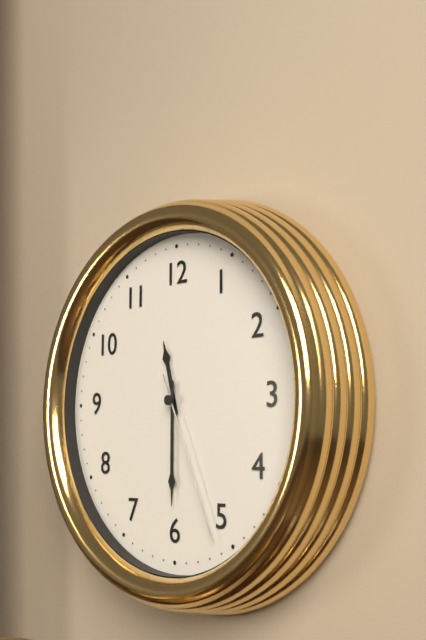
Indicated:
11.30.26
